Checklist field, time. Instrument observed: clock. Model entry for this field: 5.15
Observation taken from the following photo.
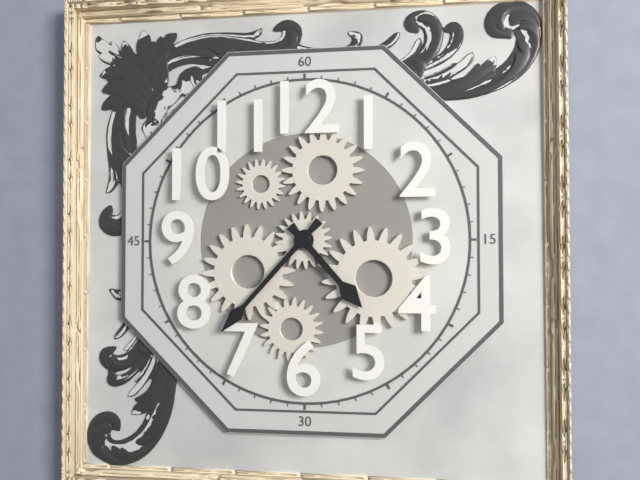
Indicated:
4.37
